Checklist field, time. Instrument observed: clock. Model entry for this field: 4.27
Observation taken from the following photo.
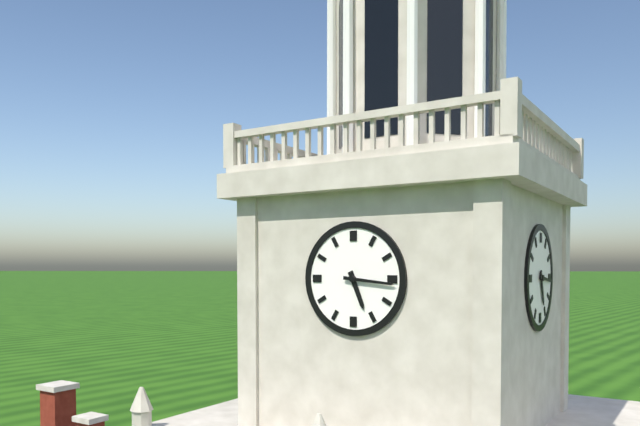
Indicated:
5.16
